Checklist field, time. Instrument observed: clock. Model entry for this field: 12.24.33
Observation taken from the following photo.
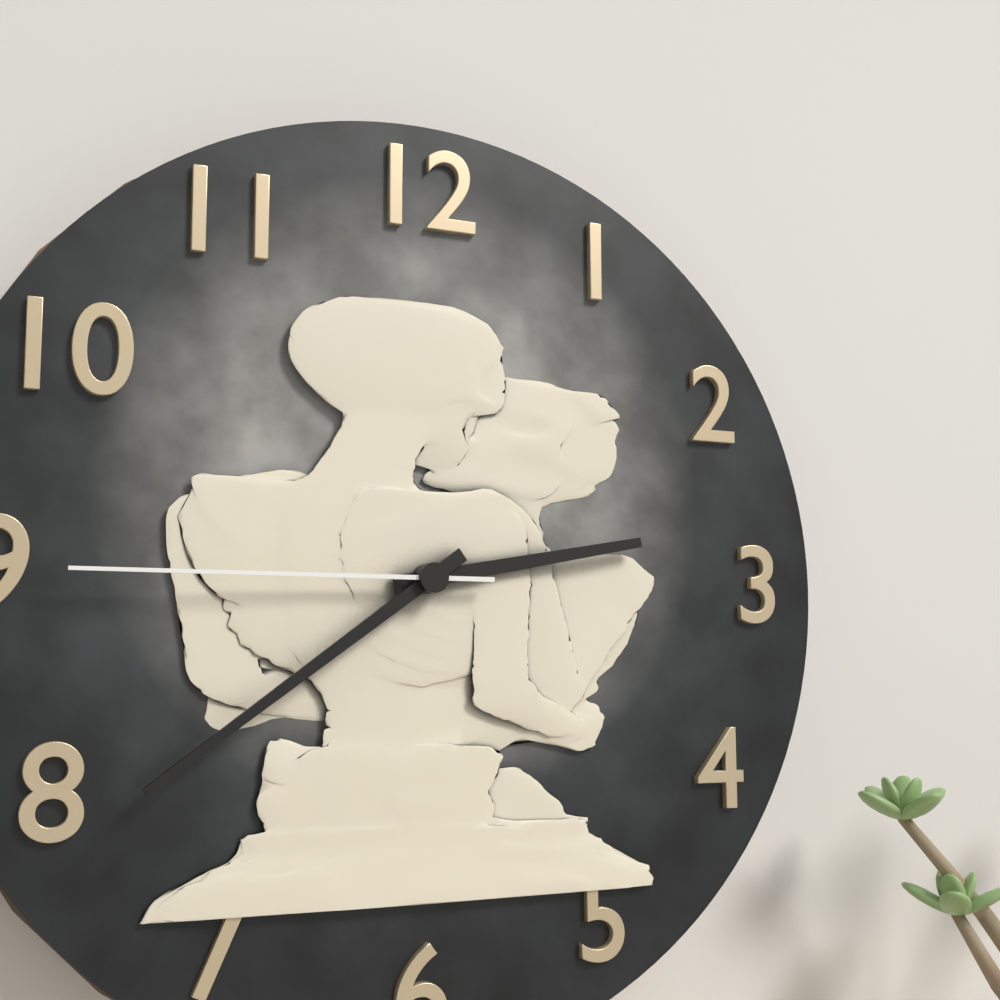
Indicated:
2.39.45
